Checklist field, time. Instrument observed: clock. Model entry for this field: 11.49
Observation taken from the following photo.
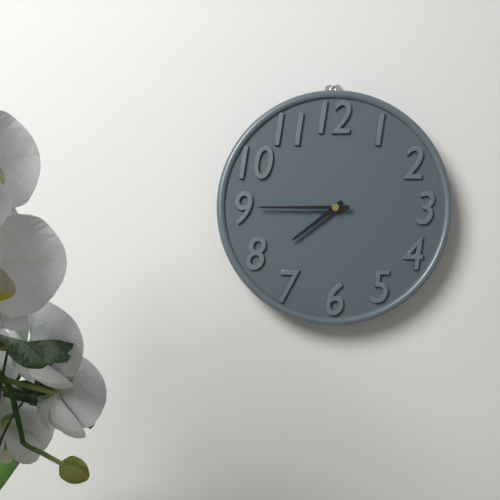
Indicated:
7.45
